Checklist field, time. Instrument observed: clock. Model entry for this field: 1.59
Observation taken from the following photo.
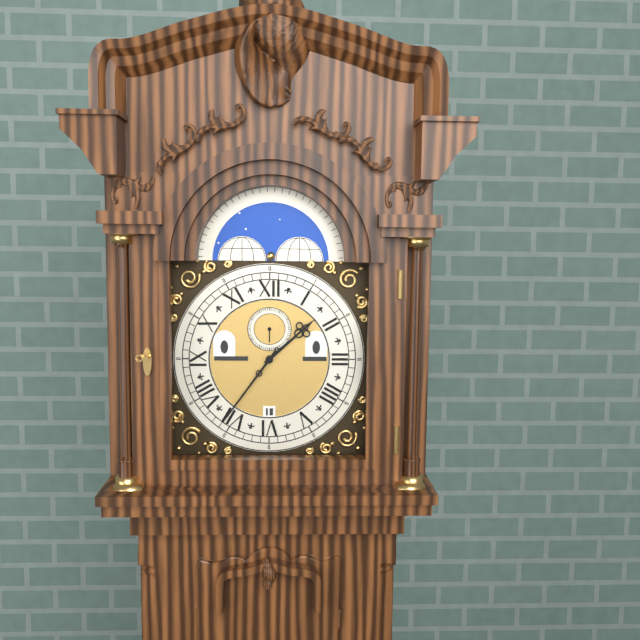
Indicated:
1.36
